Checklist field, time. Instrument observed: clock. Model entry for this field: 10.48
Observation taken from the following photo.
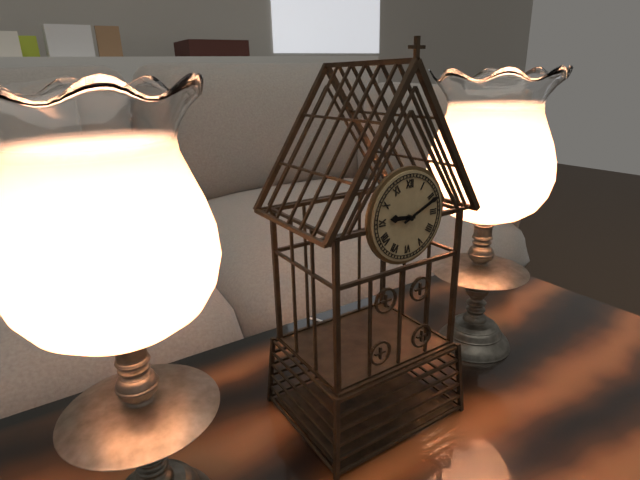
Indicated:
9.11
